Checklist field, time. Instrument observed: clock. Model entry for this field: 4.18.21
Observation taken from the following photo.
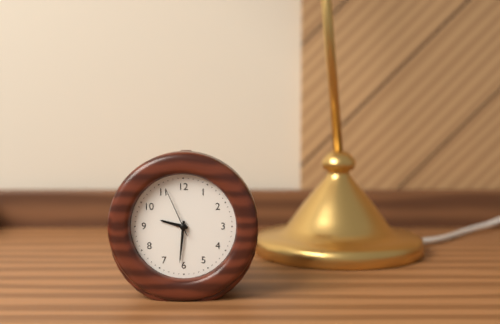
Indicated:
9.31.56
